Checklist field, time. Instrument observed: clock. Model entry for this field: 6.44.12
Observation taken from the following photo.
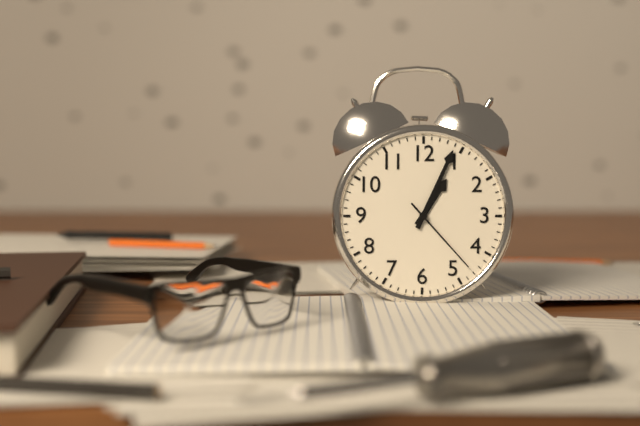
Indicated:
1.04.23
